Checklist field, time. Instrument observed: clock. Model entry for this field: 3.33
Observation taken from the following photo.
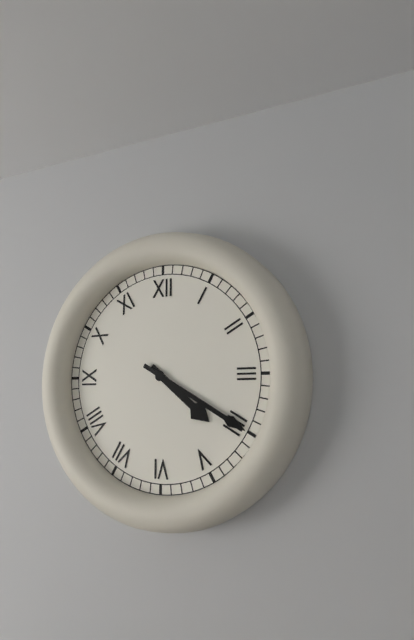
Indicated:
4.20
